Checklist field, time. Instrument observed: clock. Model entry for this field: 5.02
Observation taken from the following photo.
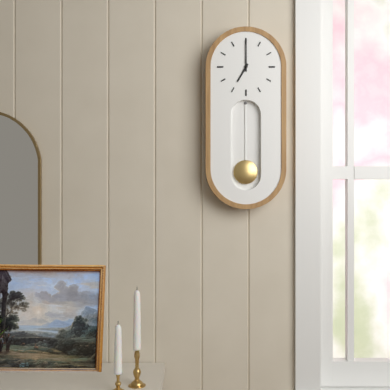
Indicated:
7.00
